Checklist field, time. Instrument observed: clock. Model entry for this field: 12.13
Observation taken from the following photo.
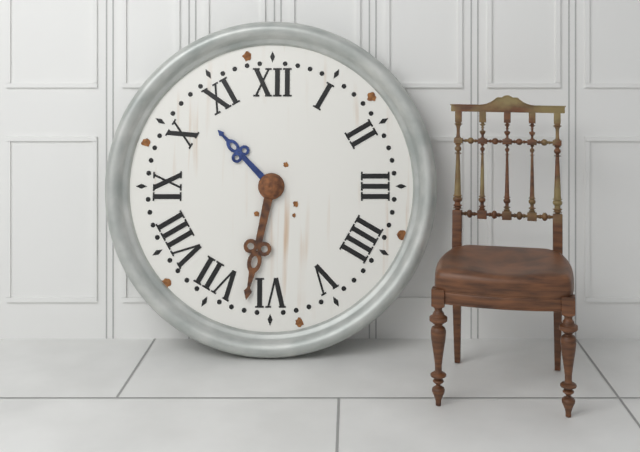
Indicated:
10.32
